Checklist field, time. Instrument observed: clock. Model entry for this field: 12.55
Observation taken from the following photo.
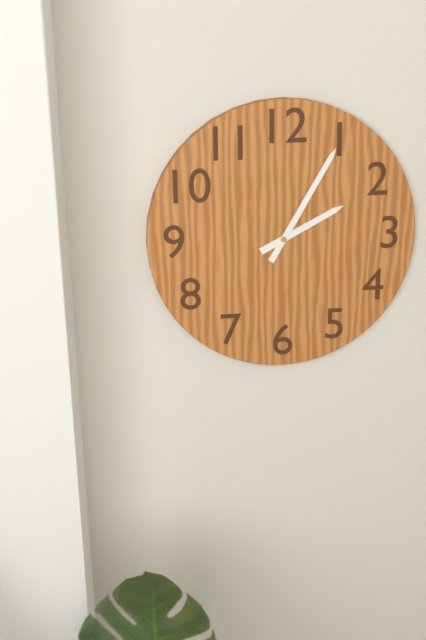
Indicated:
2.05
